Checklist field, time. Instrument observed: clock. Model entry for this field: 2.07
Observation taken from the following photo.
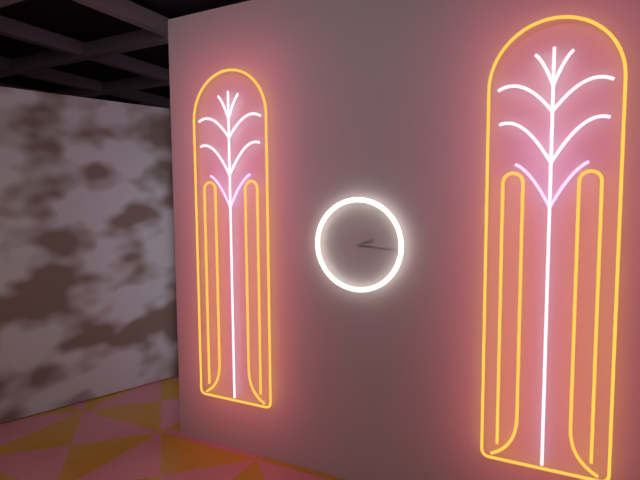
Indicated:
2.16
